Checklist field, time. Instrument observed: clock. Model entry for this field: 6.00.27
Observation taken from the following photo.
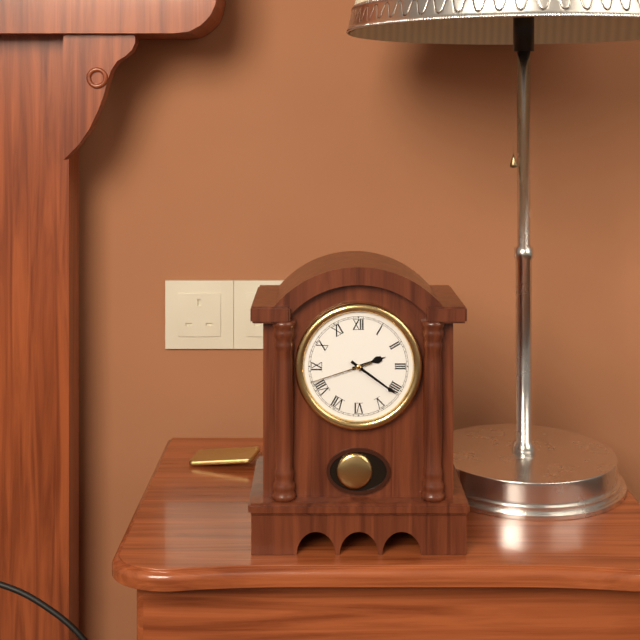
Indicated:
2.21.42
